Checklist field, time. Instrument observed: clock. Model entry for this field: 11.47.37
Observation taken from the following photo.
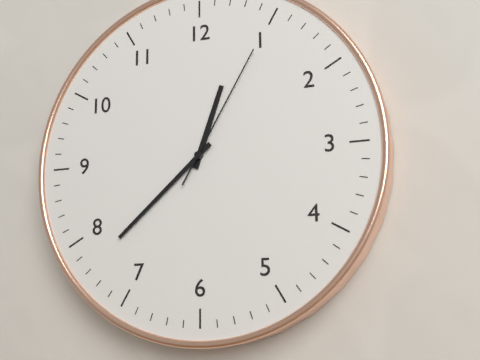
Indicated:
12.38.05
